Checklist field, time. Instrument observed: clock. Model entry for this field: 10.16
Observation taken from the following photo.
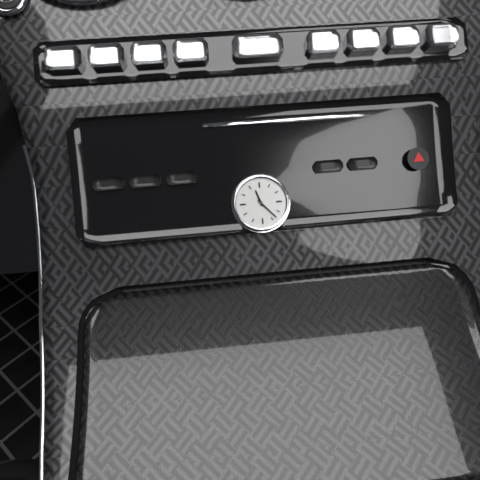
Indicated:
11.23
